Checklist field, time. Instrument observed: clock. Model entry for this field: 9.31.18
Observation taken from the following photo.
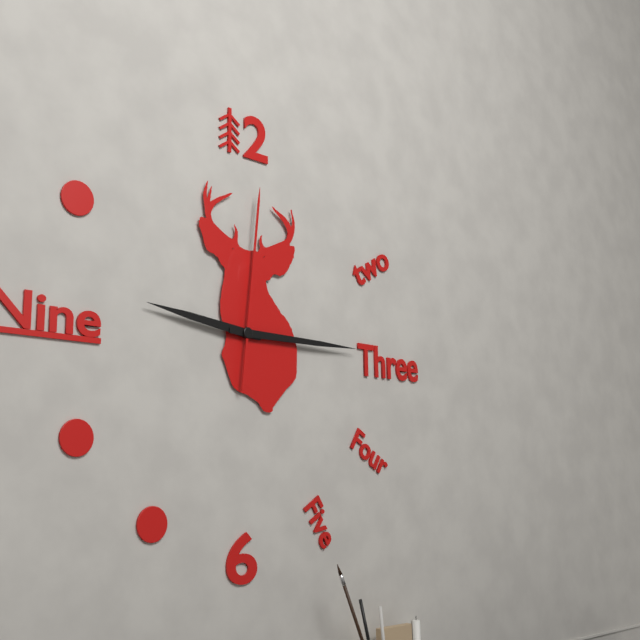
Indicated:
9.15.01
